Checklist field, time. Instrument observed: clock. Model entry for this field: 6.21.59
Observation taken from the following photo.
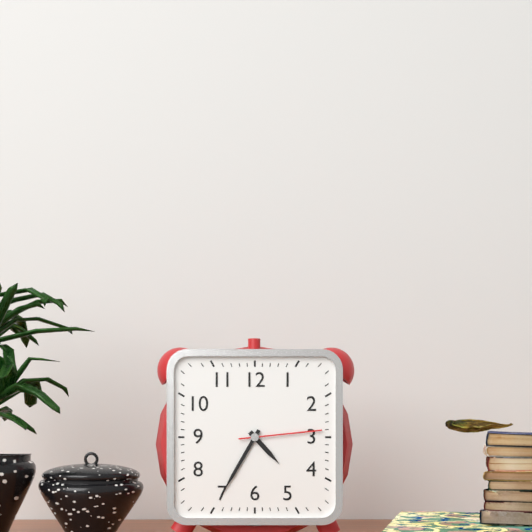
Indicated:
4.35.14
